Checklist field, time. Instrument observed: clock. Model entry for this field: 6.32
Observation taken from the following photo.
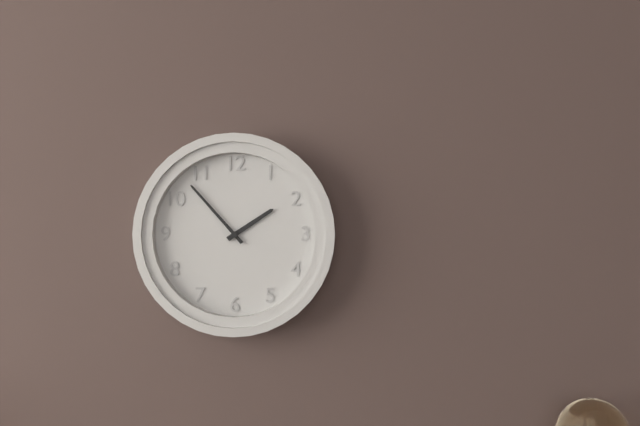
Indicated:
1.53
